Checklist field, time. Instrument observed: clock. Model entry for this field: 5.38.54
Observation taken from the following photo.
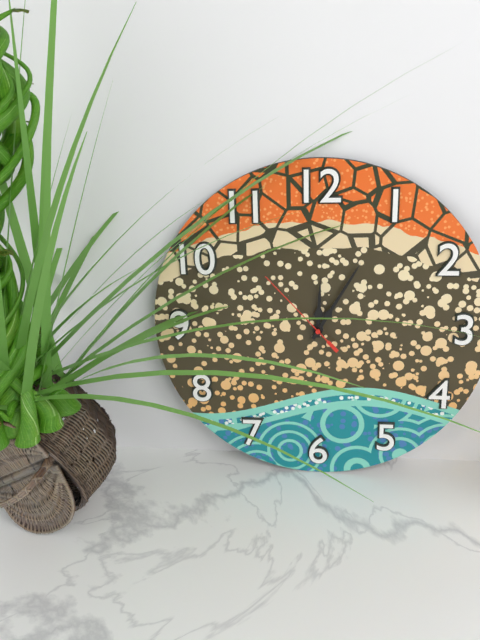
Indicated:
12.05.53
